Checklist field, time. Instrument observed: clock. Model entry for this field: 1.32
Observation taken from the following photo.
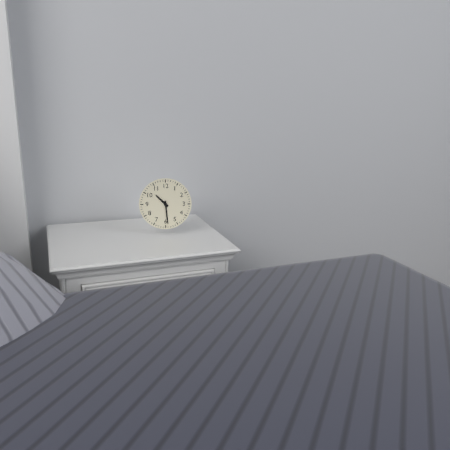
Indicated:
10.29
